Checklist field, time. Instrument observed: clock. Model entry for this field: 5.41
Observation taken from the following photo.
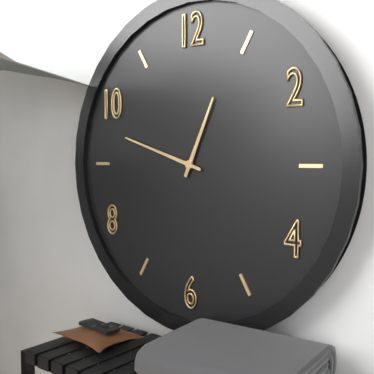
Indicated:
12.48
